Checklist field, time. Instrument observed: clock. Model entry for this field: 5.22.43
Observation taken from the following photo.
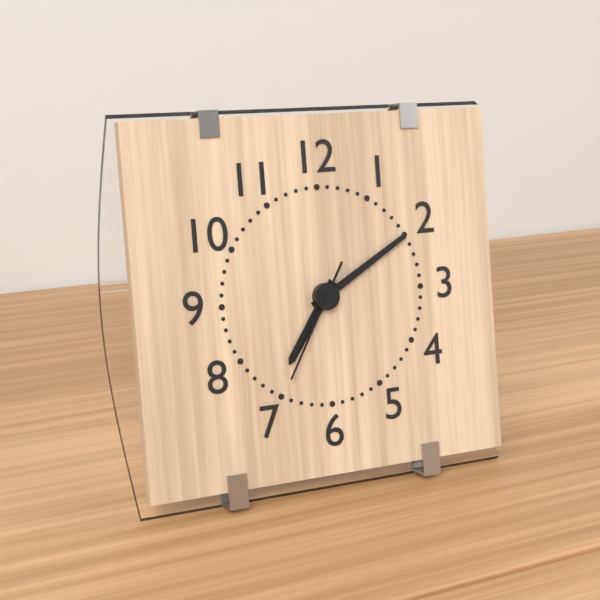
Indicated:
7.10.35
